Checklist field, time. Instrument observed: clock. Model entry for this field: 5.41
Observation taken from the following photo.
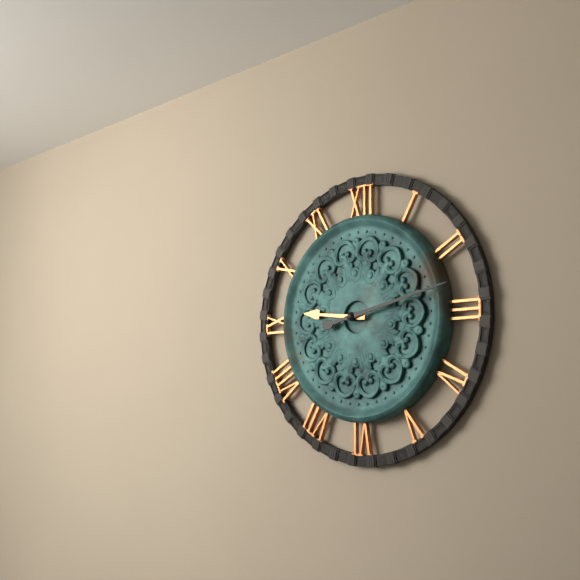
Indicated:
9.13
